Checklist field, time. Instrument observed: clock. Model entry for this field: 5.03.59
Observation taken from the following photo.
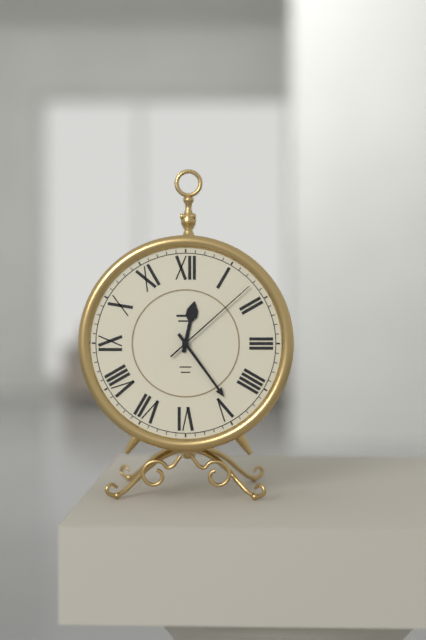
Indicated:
12.24.08
